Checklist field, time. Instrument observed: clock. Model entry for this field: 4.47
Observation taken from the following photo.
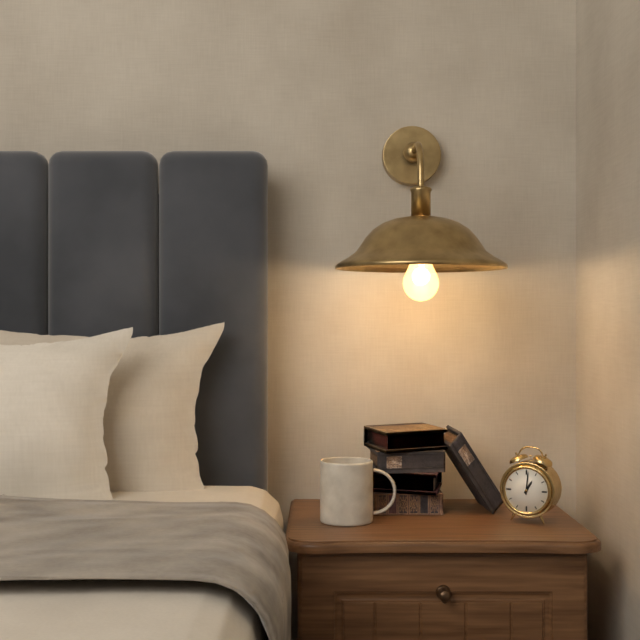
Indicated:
1.01
